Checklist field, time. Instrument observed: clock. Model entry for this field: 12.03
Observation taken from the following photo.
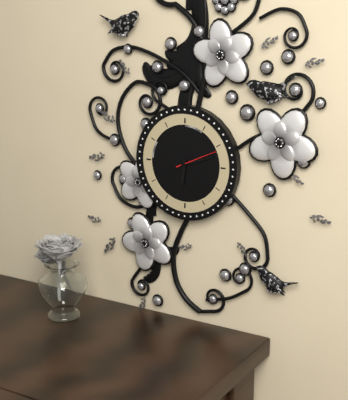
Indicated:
6.12
